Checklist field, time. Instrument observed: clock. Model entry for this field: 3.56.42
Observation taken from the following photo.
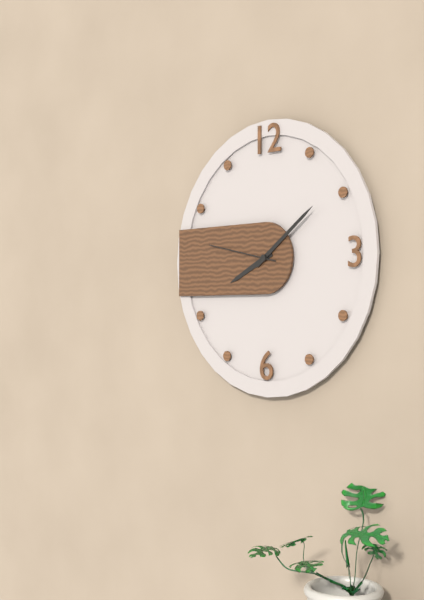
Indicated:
8.09.47
